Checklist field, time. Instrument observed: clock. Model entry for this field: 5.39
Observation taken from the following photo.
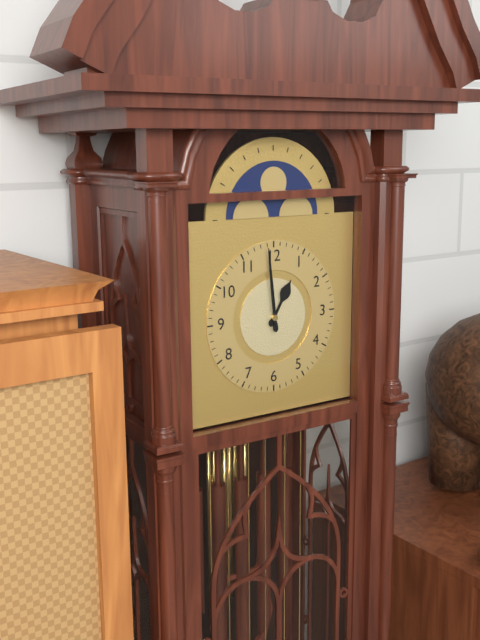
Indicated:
12.59
